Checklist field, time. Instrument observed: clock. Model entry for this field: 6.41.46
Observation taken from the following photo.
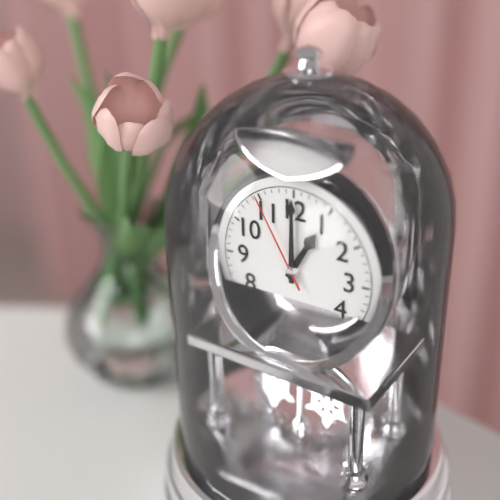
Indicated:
1.00.55
